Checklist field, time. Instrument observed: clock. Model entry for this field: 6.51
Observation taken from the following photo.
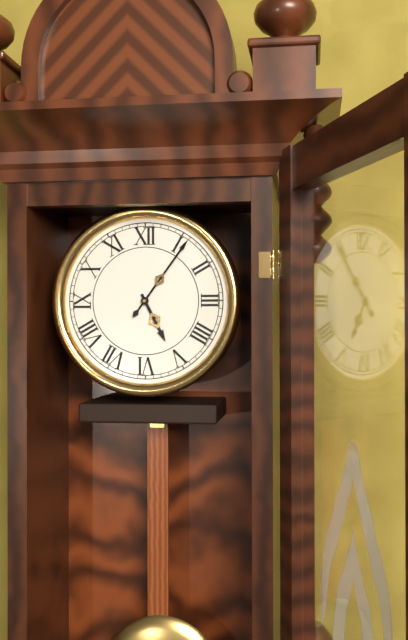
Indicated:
5.06
